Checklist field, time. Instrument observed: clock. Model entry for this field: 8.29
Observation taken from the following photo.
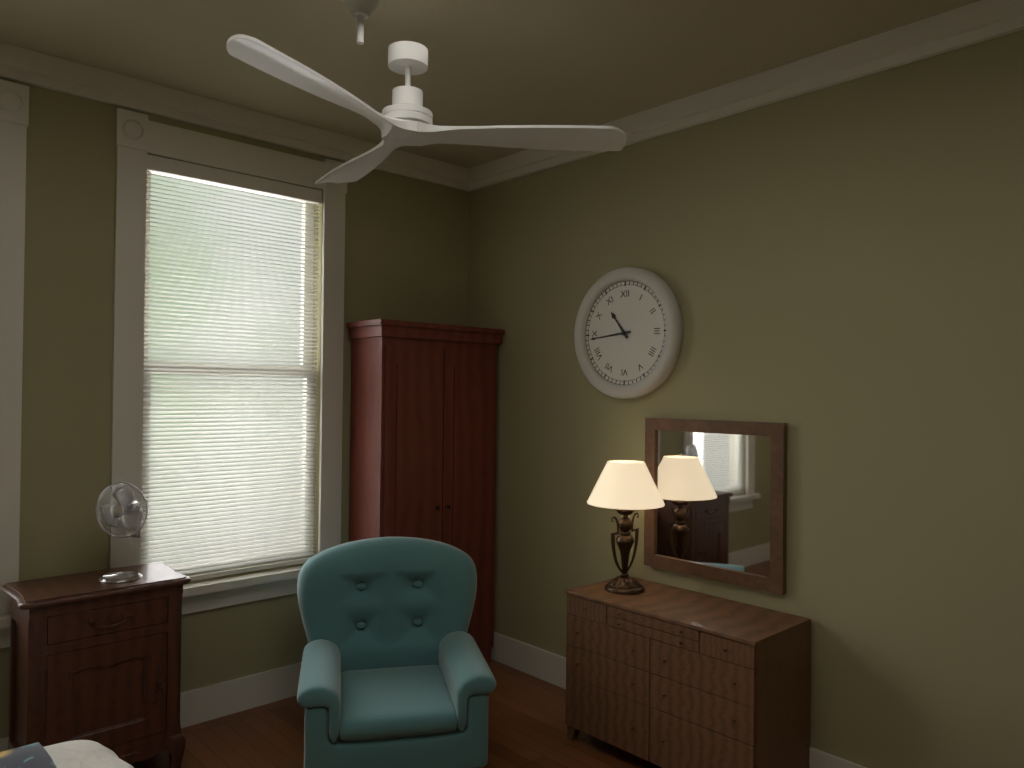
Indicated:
10.44
